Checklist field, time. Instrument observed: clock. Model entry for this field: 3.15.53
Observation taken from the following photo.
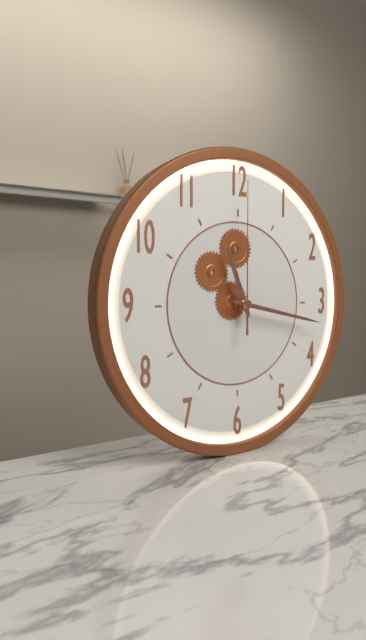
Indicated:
11.17.00
